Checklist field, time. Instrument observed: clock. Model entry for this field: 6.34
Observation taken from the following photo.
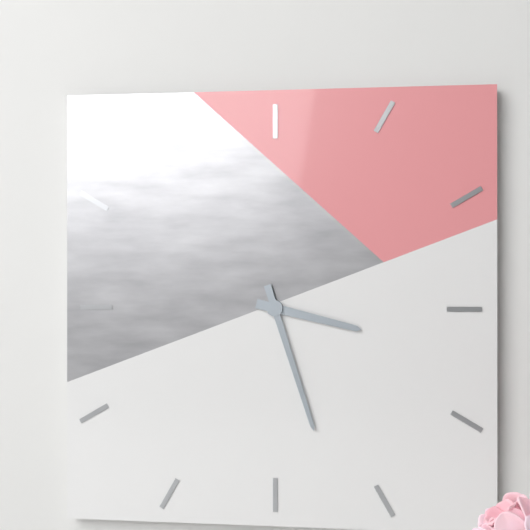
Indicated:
3.27
